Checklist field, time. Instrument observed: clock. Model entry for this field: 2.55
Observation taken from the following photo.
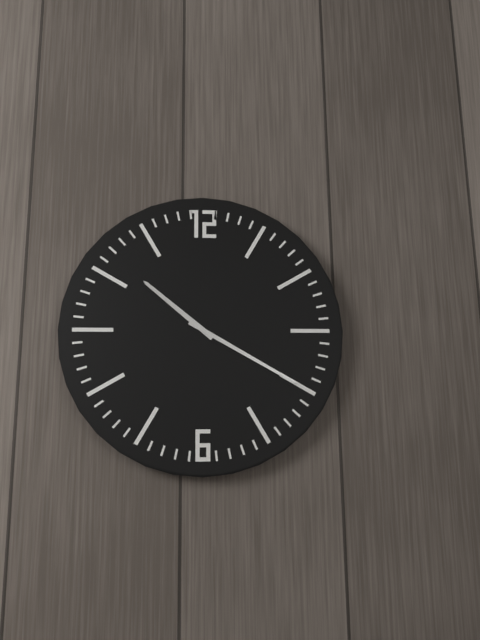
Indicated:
10.20
